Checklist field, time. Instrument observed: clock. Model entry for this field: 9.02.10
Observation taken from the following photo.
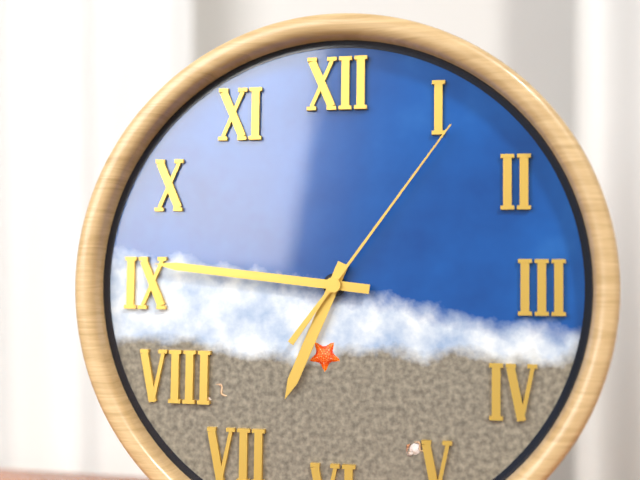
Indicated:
6.46.06
